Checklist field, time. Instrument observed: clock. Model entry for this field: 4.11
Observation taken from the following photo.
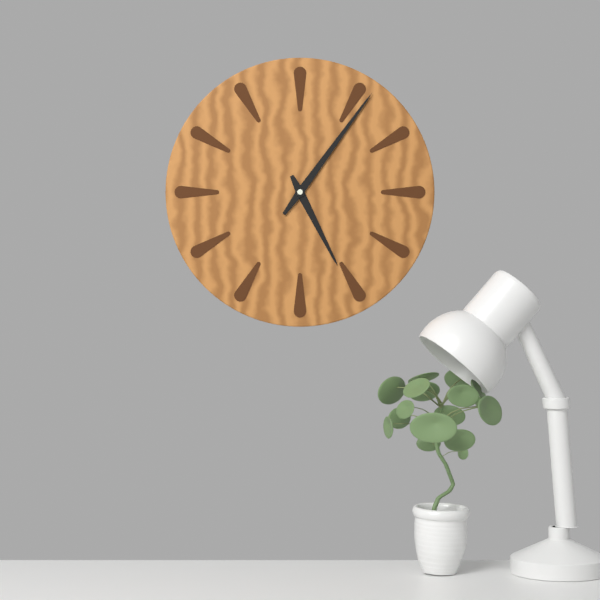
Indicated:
5.06
